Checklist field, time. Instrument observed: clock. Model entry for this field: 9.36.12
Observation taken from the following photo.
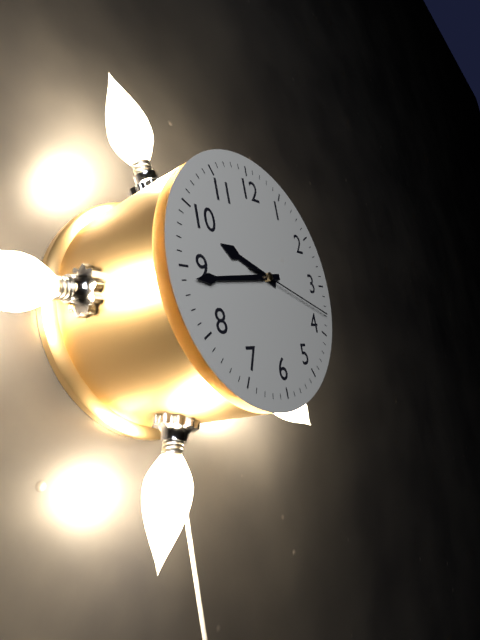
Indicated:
9.44.18
